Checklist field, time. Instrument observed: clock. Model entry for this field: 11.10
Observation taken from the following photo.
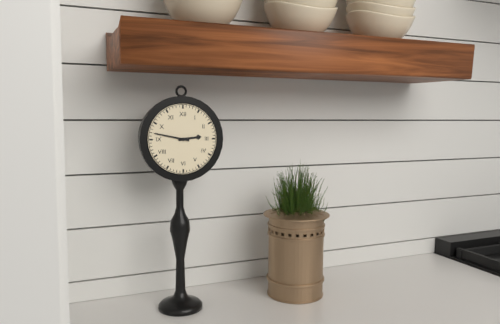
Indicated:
2.47
